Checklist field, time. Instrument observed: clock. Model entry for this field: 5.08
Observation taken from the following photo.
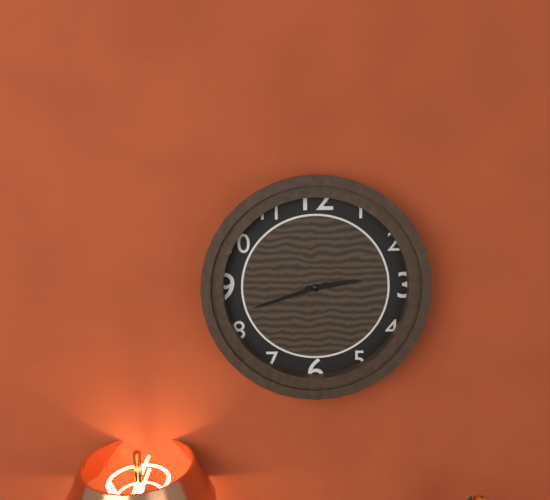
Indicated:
2.42
